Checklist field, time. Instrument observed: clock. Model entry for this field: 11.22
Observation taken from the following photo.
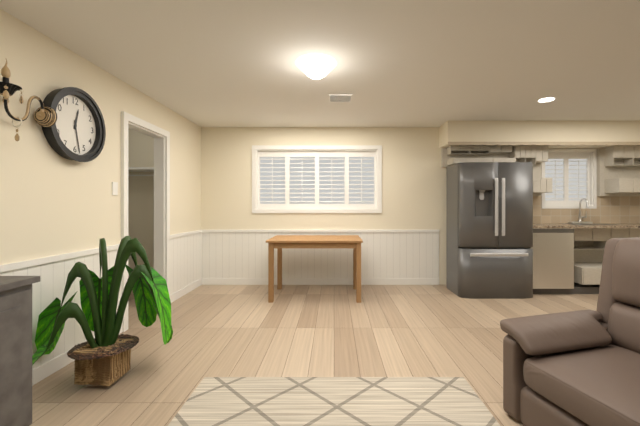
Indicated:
12.28
